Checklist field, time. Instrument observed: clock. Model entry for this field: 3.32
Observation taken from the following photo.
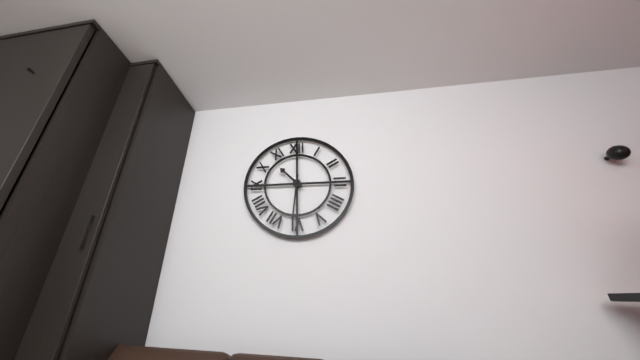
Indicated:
10.31
